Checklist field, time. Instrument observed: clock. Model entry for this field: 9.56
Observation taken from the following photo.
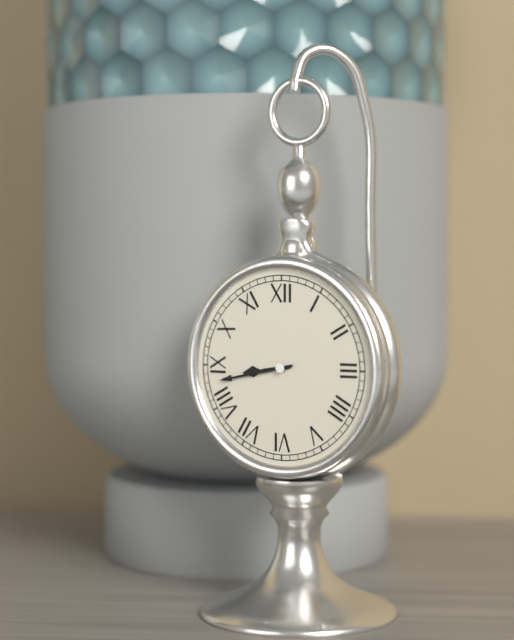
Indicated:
8.43
